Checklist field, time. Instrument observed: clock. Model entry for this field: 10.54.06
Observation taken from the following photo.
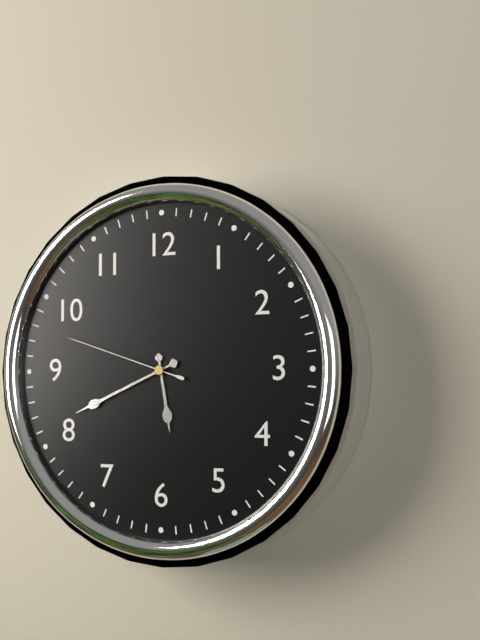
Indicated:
5.41.48
